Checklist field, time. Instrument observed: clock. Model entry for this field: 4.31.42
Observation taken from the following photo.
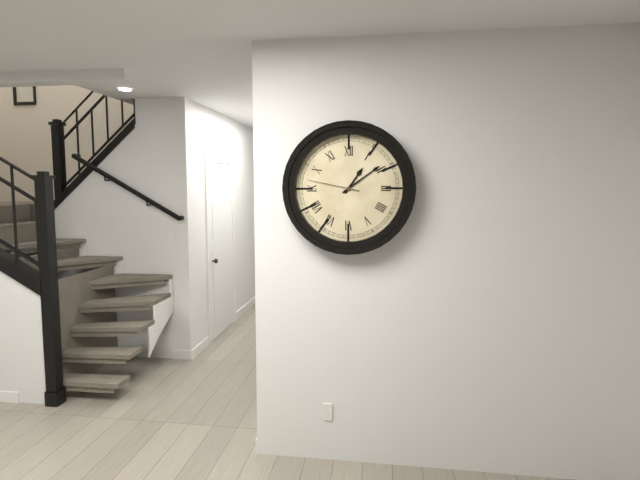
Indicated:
1.09.47
